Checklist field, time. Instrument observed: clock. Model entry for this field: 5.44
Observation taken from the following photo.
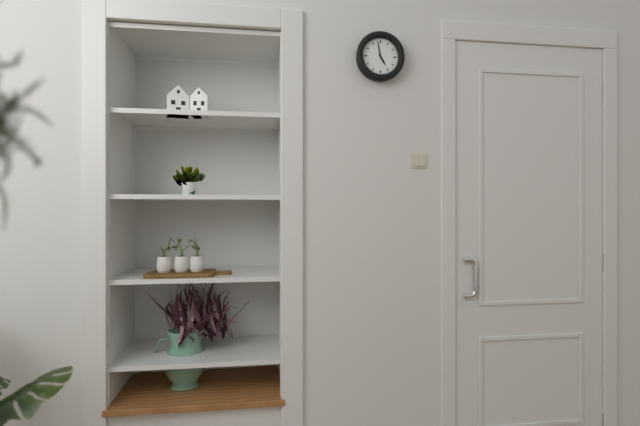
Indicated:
4.58
